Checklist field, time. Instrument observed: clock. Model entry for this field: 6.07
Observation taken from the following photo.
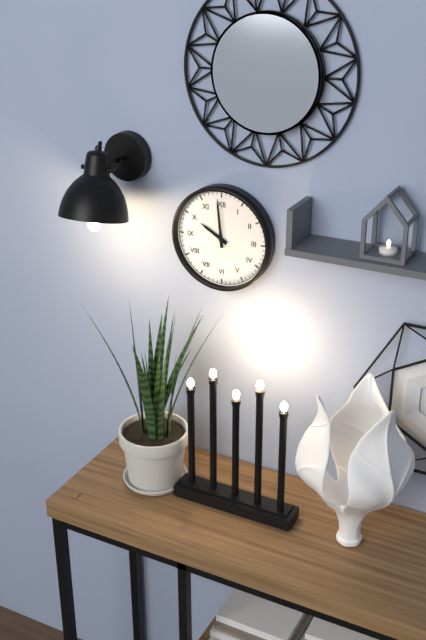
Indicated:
9.59
